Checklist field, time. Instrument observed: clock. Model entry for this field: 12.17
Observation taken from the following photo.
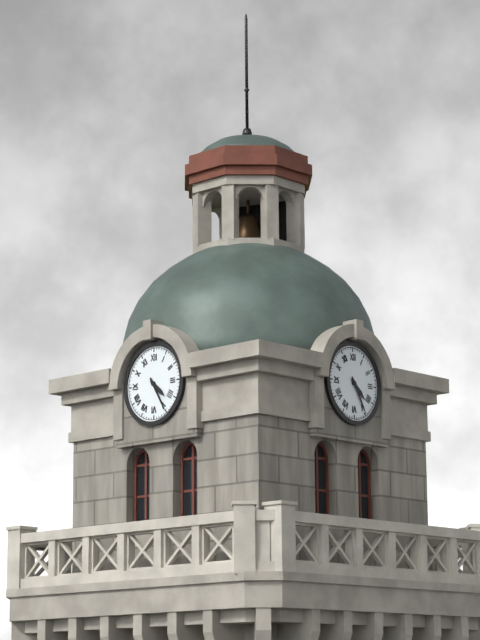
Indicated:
4.25
